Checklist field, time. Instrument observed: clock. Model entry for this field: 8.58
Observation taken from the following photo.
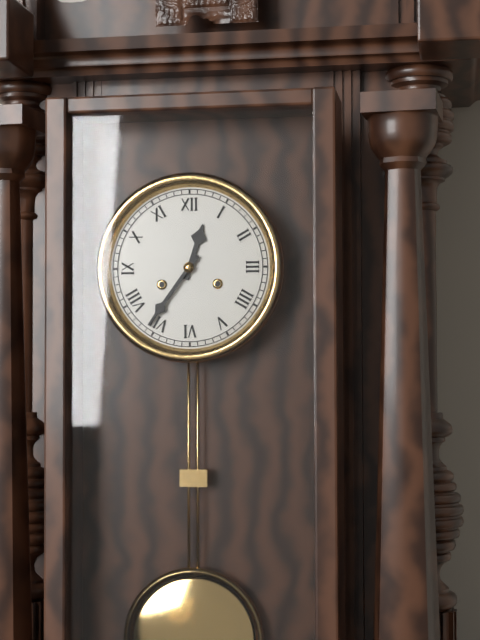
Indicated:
12.36
